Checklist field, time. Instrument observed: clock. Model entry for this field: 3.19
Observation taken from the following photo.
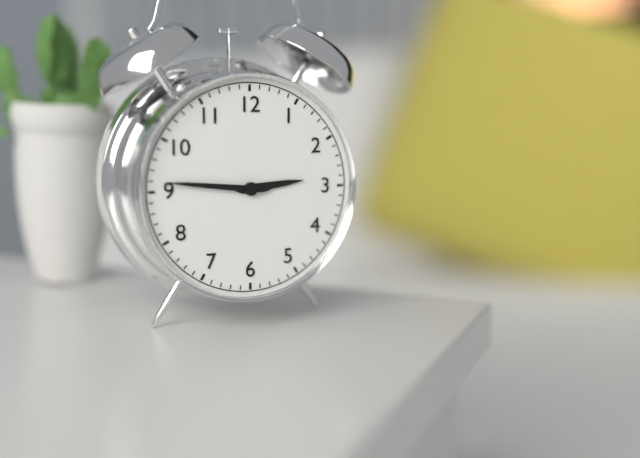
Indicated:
2.46
